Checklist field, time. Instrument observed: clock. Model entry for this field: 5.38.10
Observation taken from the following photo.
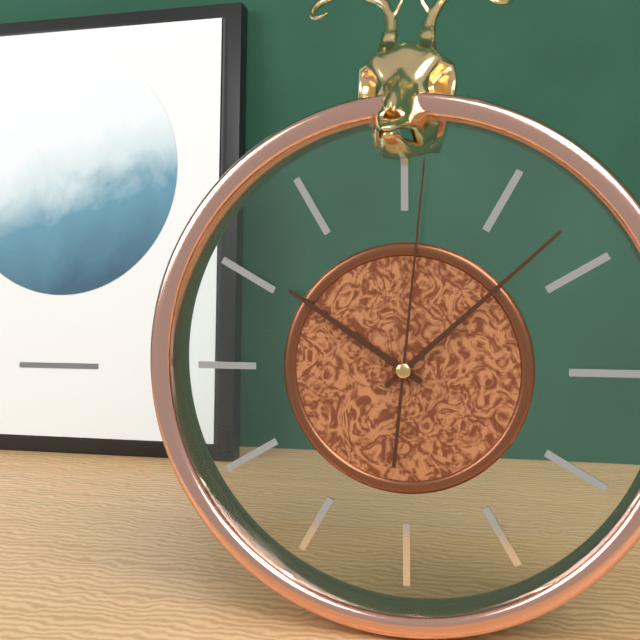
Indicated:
10.08.01
